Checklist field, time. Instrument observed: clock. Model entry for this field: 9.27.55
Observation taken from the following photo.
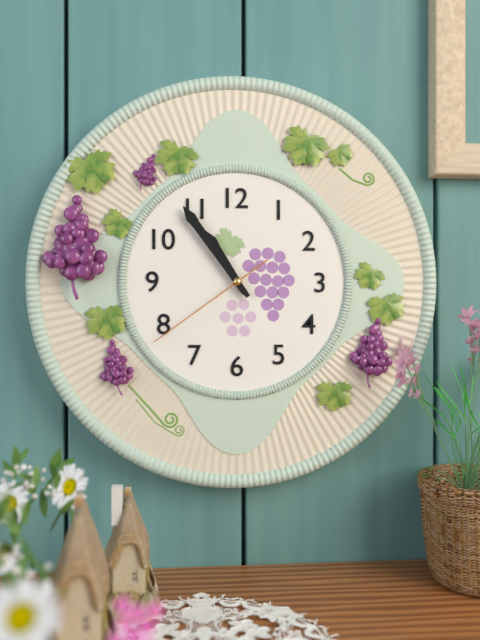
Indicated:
10.54.39
